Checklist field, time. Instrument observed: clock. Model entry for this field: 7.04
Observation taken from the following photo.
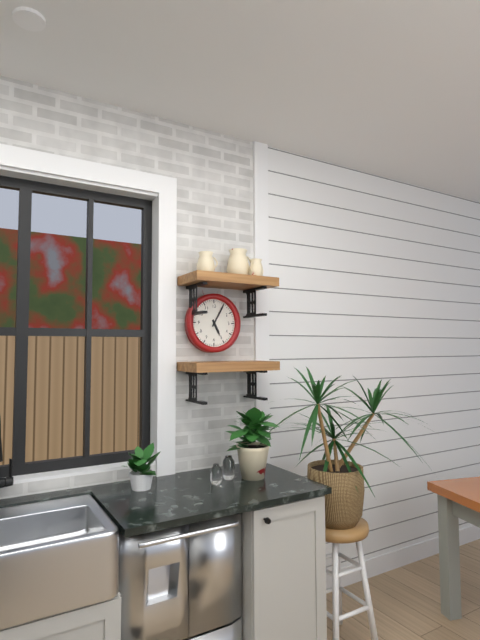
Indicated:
5.05
